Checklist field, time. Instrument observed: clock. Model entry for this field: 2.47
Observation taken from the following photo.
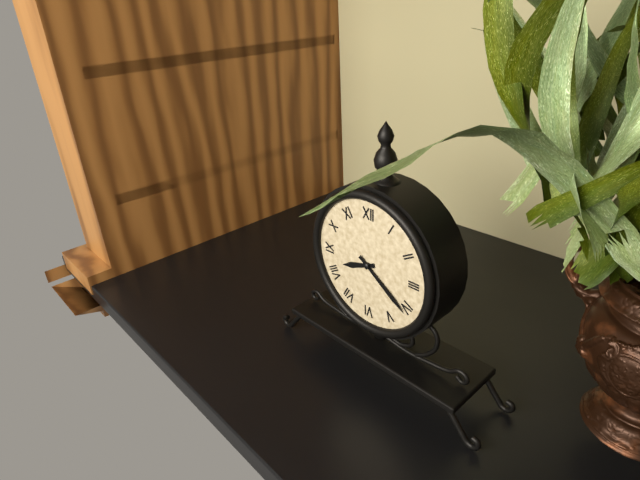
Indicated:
8.21
